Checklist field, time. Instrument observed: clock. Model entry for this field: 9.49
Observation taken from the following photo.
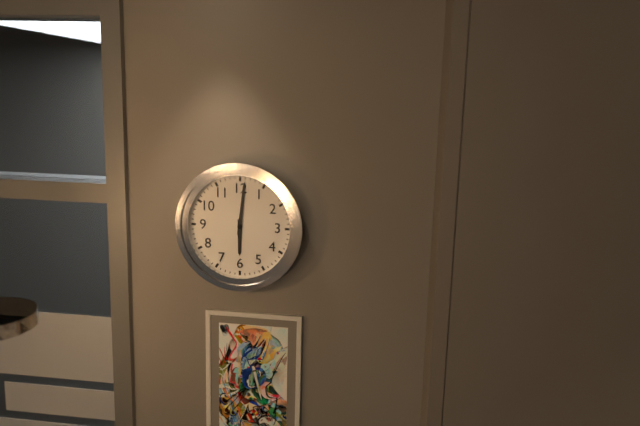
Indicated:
6.01
